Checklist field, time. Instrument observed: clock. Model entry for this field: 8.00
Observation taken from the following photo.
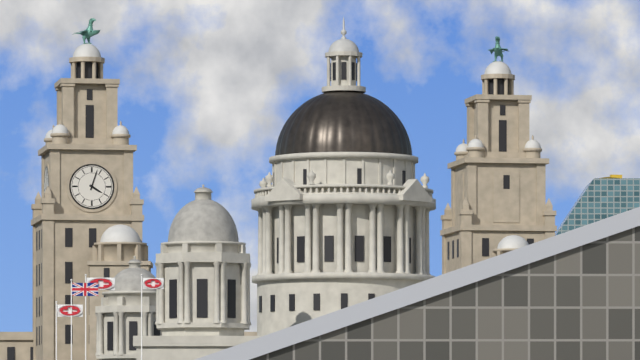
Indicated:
4.03
